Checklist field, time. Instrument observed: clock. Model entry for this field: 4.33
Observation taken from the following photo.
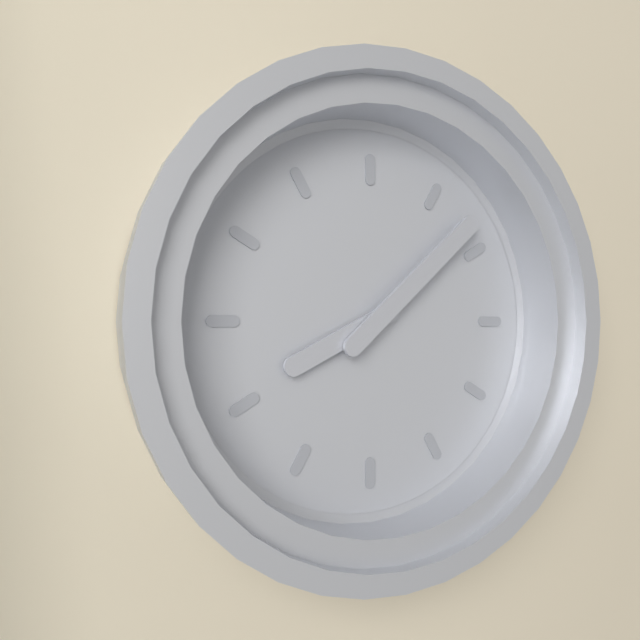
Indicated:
8.08
